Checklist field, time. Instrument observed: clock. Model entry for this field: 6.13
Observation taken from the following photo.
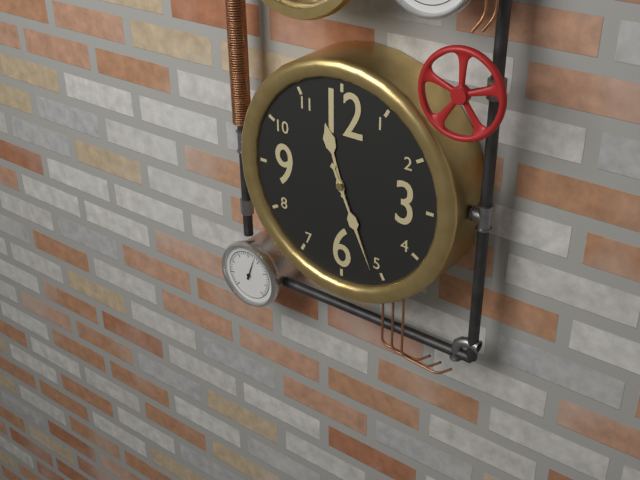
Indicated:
11.26
